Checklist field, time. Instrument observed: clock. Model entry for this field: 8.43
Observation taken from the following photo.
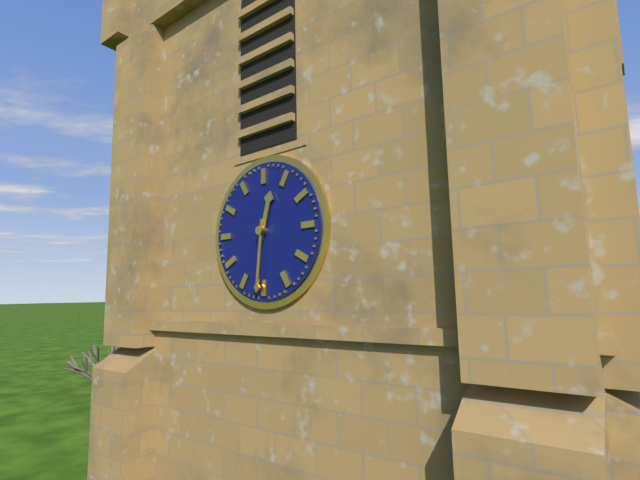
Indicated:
12.31
